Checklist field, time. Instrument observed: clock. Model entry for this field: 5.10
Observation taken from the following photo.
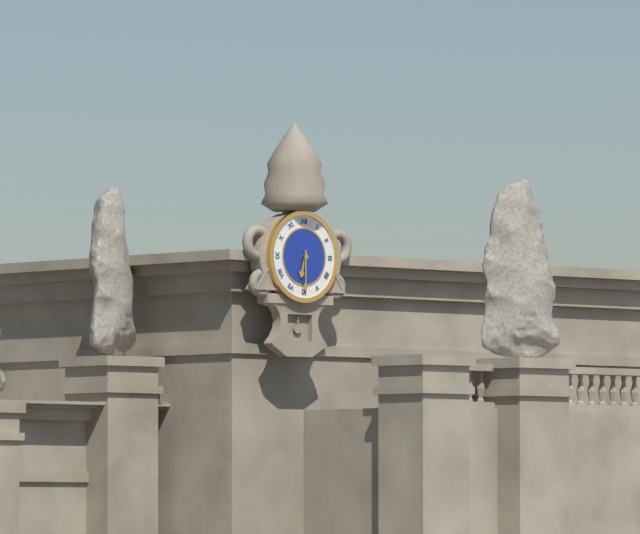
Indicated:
6.30
